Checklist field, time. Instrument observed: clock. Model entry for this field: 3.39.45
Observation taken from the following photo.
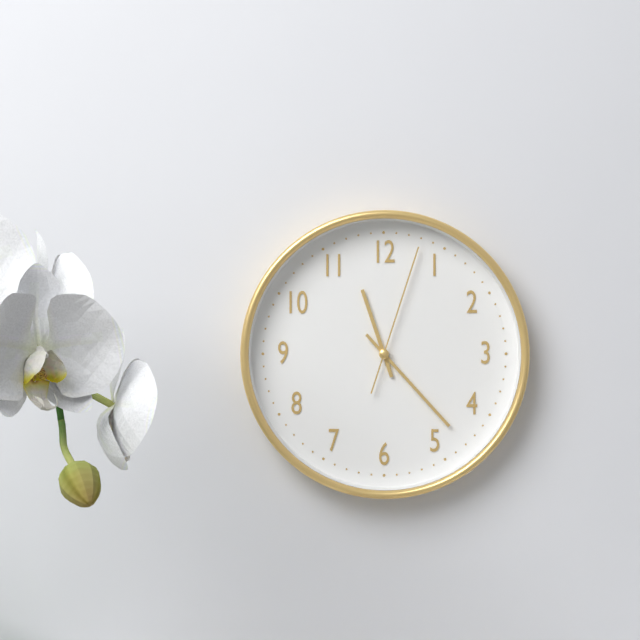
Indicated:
11.23.03
